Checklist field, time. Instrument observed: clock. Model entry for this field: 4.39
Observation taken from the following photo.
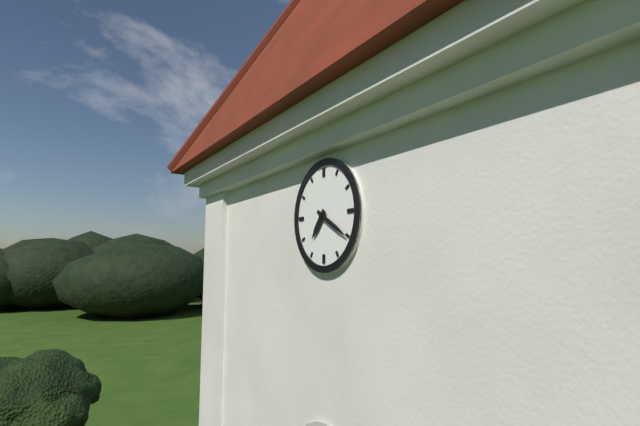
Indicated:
7.20
